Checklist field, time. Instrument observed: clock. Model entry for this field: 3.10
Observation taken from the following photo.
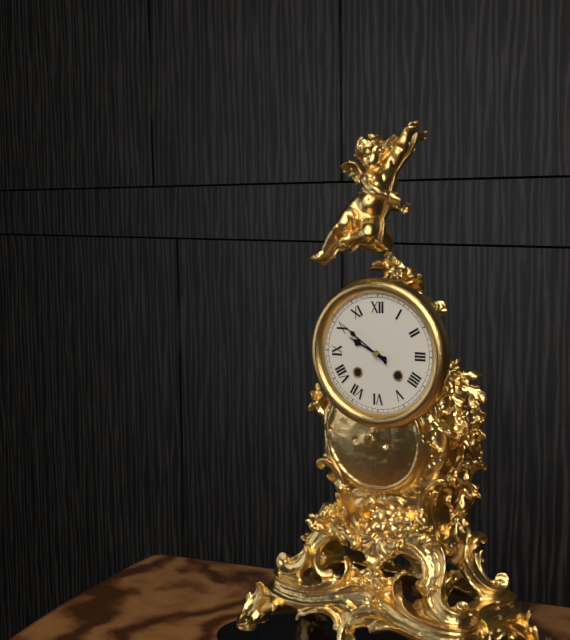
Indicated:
9.51
